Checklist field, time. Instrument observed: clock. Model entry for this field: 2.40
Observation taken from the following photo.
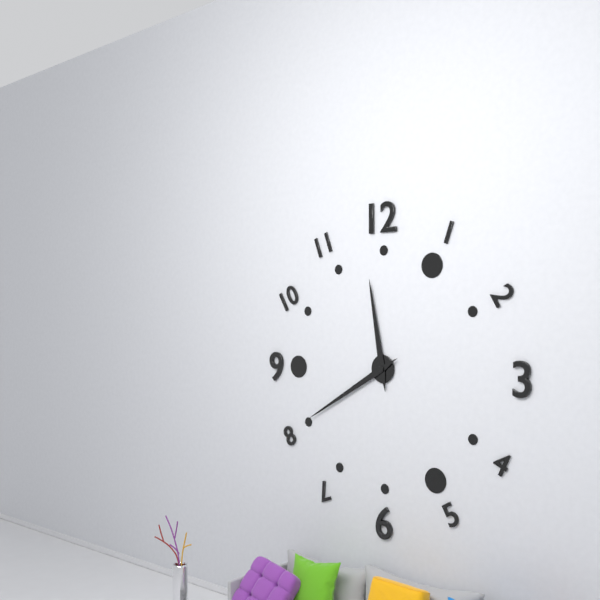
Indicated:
11.40
